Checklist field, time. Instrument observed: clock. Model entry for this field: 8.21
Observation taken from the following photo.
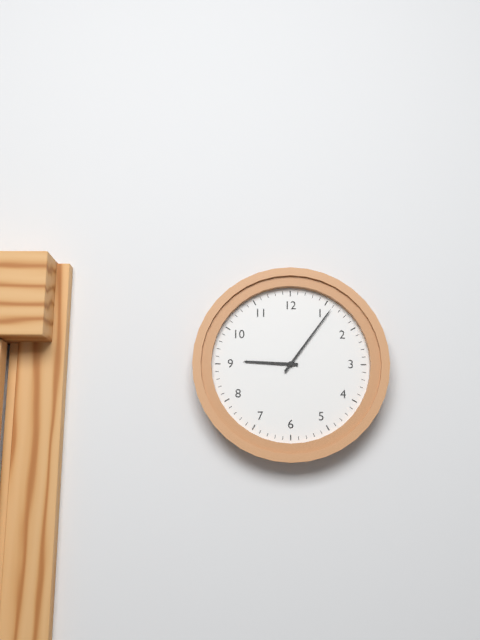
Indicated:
9.06
